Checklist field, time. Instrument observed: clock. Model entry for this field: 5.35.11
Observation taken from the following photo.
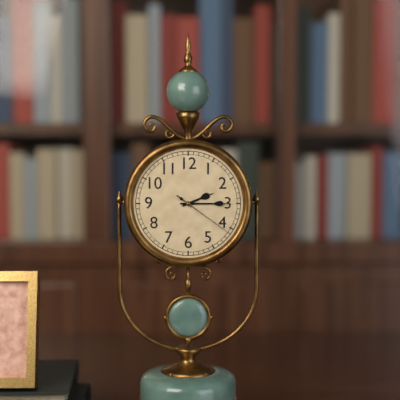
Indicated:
2.15.21
